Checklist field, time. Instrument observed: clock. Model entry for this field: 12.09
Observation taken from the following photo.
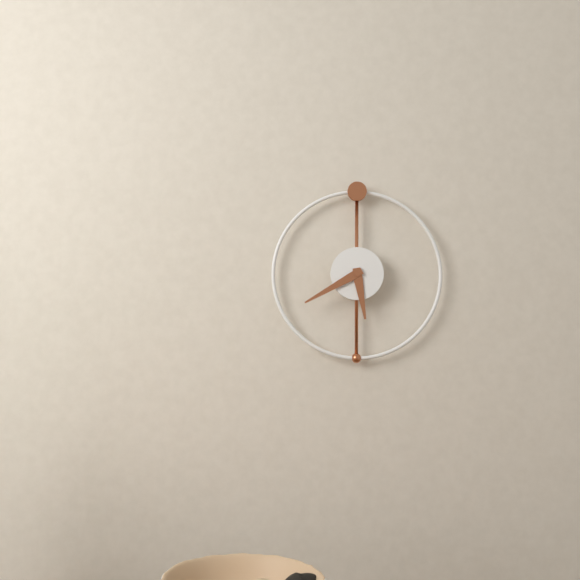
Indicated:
5.40
